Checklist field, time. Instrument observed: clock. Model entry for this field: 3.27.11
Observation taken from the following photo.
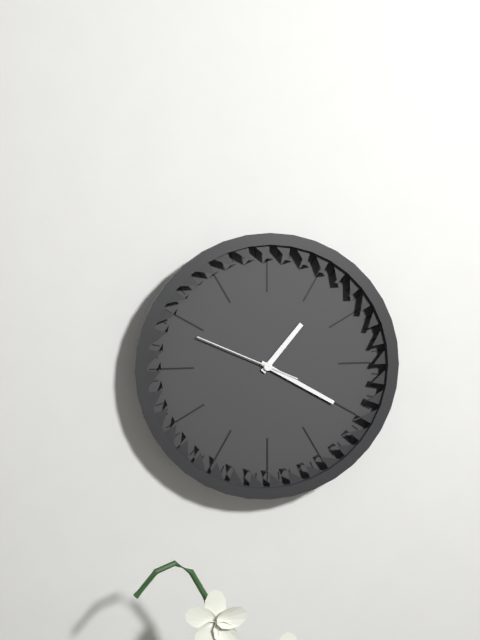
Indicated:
1.20.49
